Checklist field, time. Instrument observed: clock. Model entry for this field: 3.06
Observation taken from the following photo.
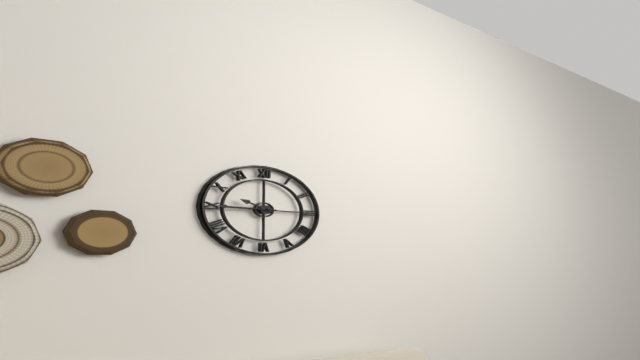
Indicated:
9.45
